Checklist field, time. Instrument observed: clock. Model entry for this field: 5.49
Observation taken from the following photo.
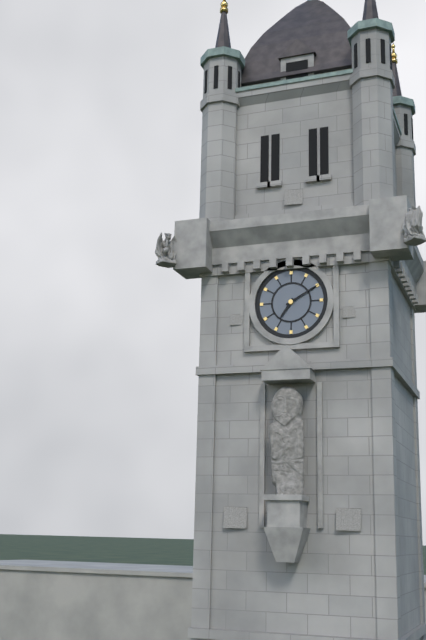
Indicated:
7.10
